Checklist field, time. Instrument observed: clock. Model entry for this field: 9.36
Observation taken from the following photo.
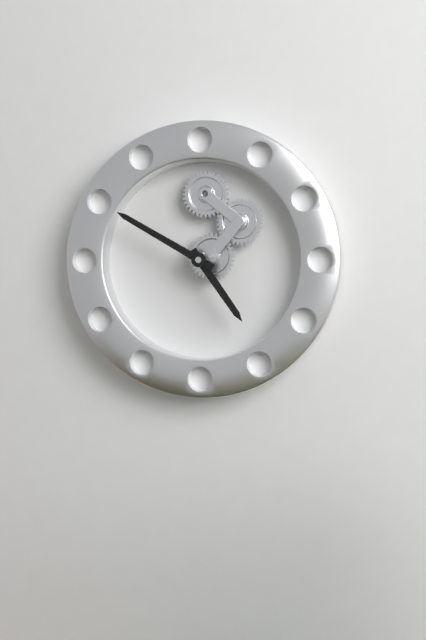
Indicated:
4.50
